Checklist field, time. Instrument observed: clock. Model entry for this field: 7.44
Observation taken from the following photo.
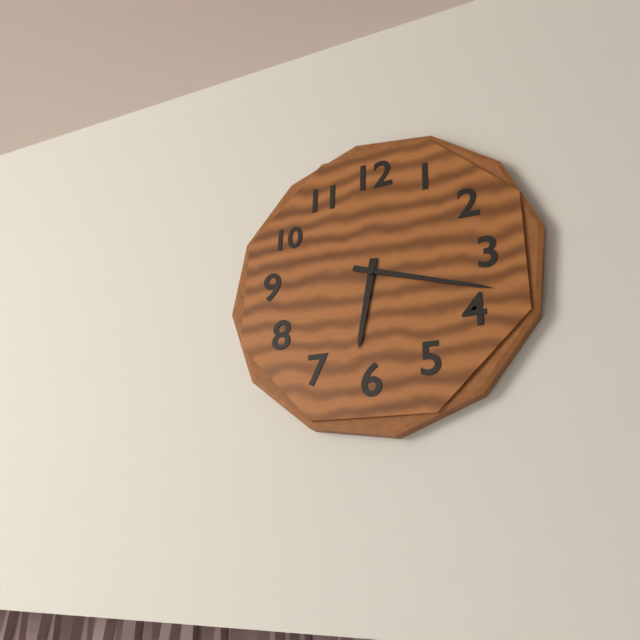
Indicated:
6.18
